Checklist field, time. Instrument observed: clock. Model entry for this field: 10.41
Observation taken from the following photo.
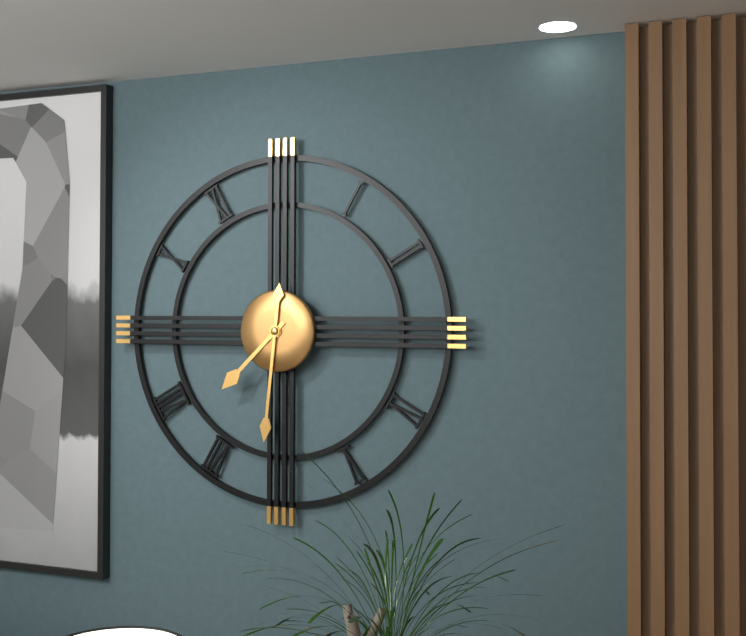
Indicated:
7.31
